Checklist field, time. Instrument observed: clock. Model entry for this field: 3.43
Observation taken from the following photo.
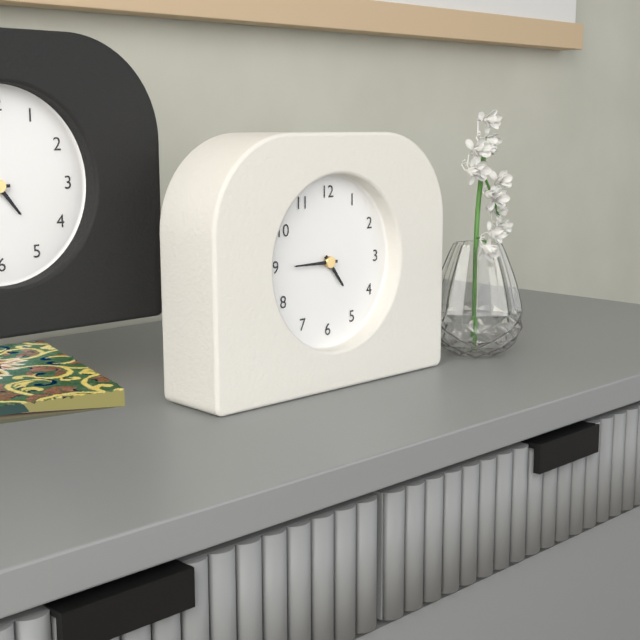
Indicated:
4.45
